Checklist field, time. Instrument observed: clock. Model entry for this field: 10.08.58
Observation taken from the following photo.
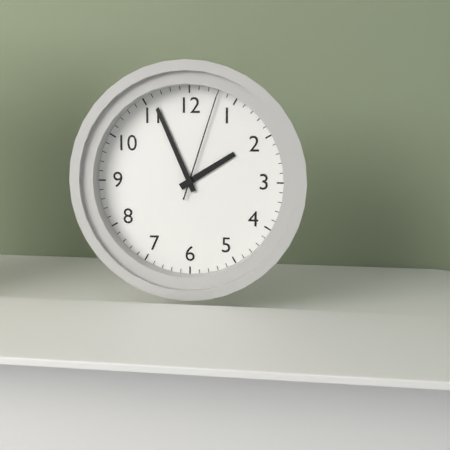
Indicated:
1.56.03
